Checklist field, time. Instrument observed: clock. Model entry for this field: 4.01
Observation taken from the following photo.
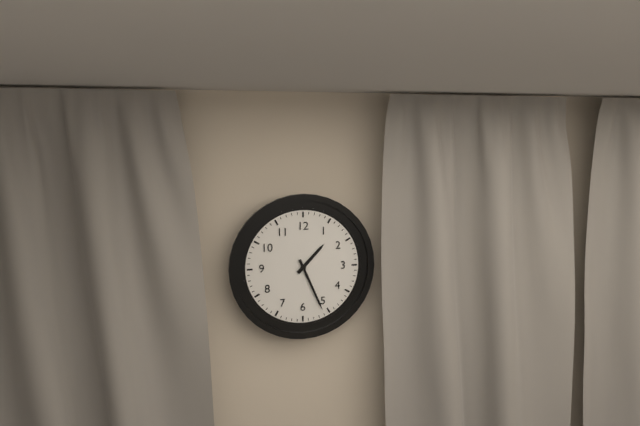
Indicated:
1.26
